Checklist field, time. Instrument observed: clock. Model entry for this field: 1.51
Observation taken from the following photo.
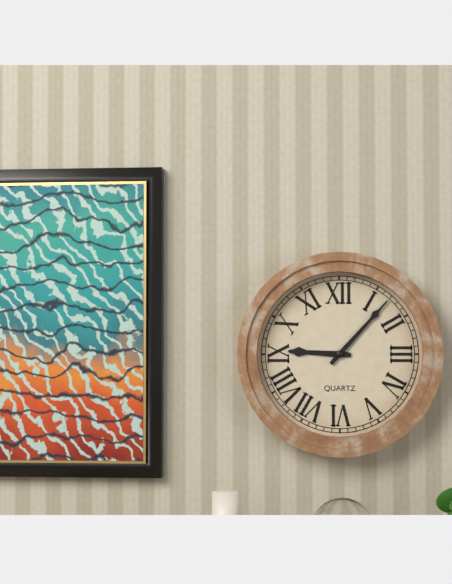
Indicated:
9.07
